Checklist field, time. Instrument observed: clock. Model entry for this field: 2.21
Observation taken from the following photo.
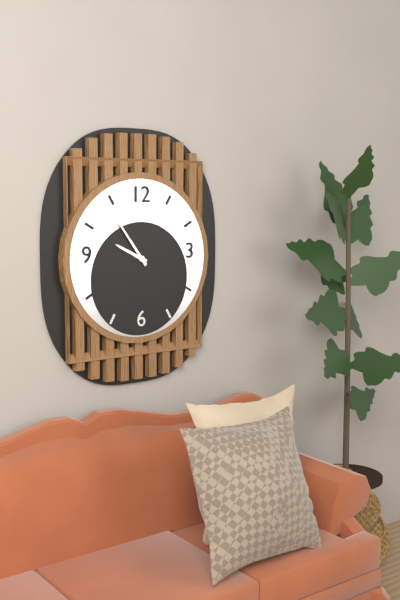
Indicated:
9.54
